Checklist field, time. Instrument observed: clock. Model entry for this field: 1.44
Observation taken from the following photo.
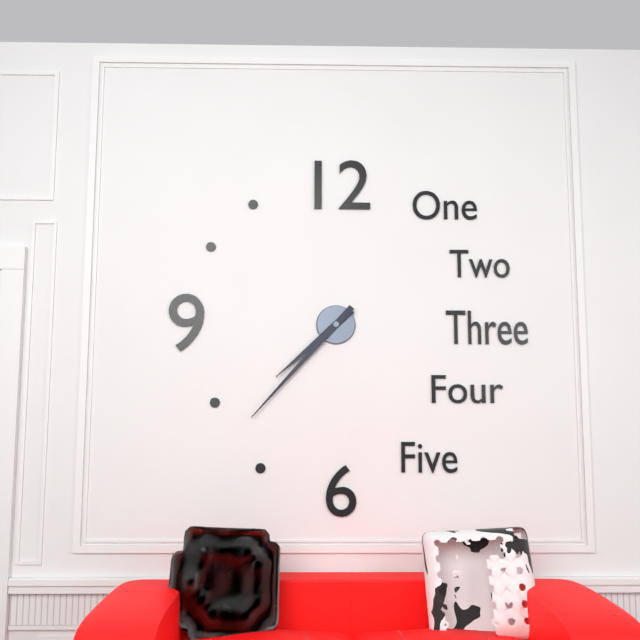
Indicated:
7.37
